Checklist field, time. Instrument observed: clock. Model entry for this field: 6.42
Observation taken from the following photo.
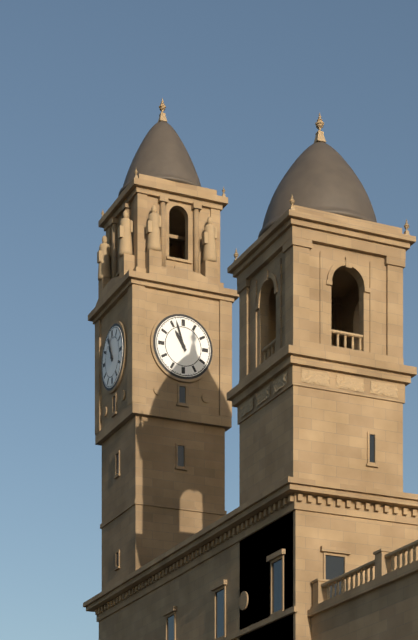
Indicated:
10.57
